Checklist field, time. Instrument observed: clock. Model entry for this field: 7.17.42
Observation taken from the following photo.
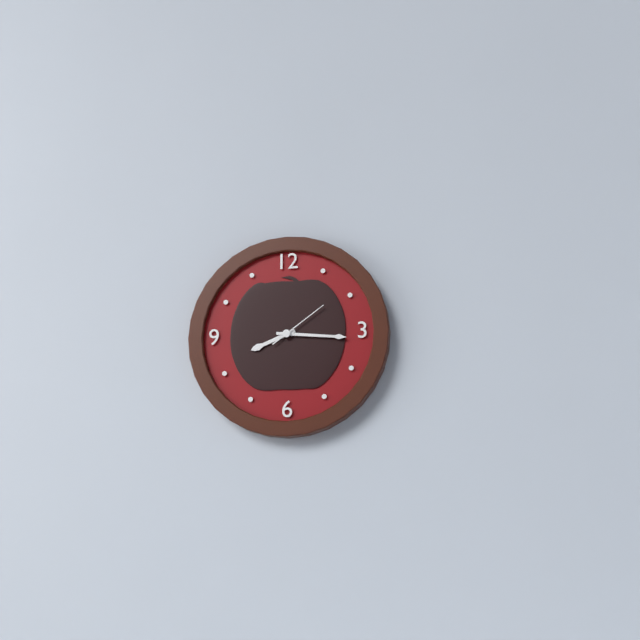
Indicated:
8.16.09
